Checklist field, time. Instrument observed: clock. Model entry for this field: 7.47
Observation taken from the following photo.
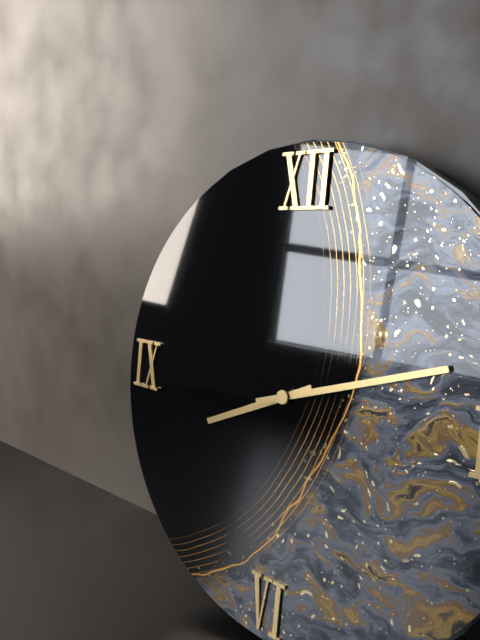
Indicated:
8.12
